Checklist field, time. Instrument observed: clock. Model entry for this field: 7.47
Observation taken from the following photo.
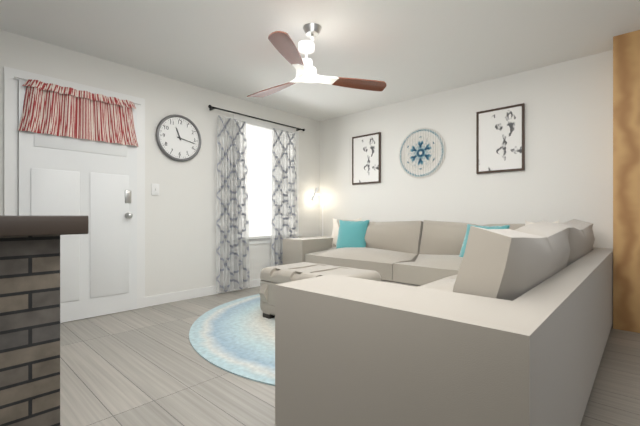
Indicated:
11.17
